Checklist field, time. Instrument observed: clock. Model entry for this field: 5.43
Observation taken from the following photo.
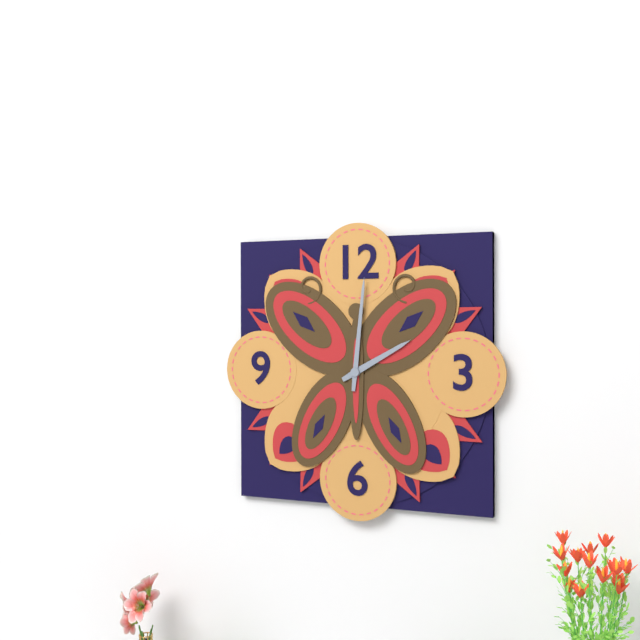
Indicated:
2.01
